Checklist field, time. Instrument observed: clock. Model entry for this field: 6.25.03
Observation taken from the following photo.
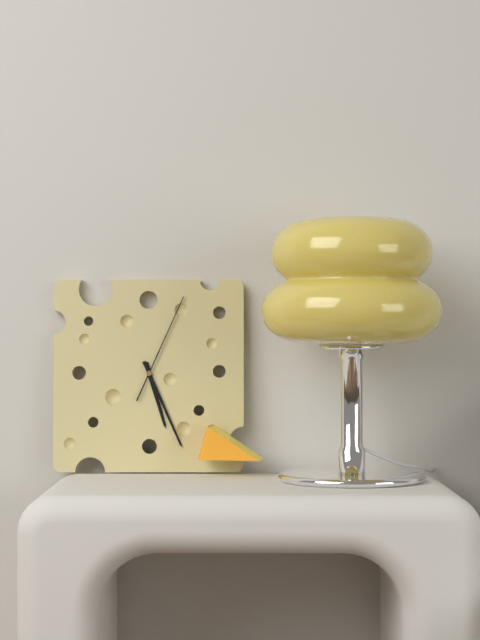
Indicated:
5.26.04
